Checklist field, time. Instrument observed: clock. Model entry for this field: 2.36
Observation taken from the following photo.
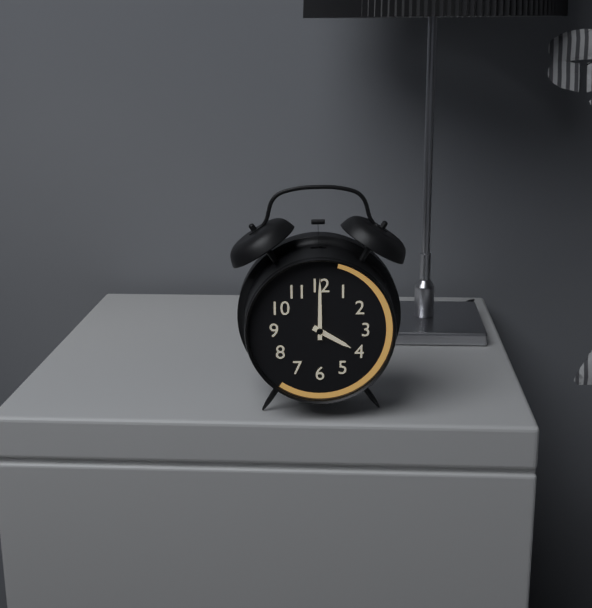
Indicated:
4.00
